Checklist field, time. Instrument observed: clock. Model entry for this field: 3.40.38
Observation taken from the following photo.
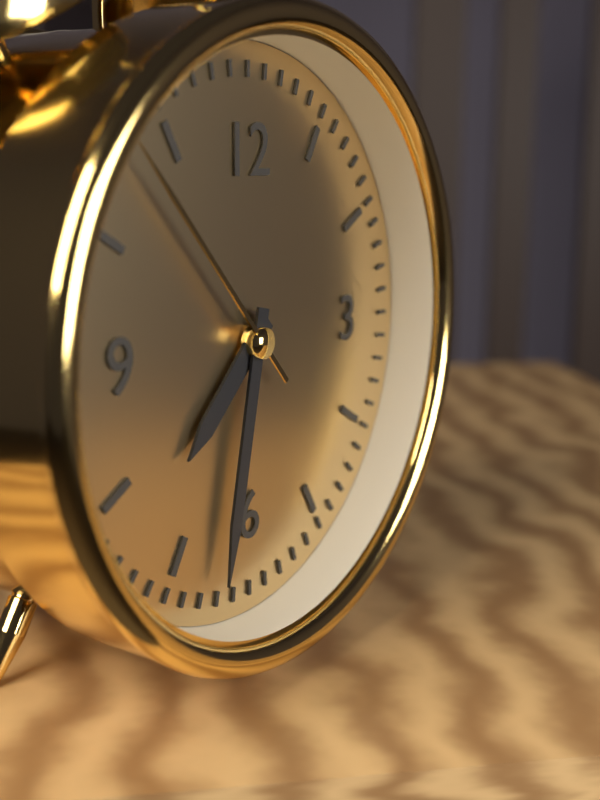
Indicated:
7.32.53
